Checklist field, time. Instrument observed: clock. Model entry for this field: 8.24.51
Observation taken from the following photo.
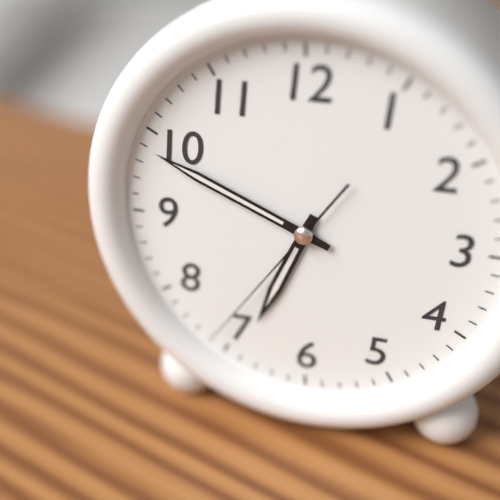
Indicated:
6.49.36
